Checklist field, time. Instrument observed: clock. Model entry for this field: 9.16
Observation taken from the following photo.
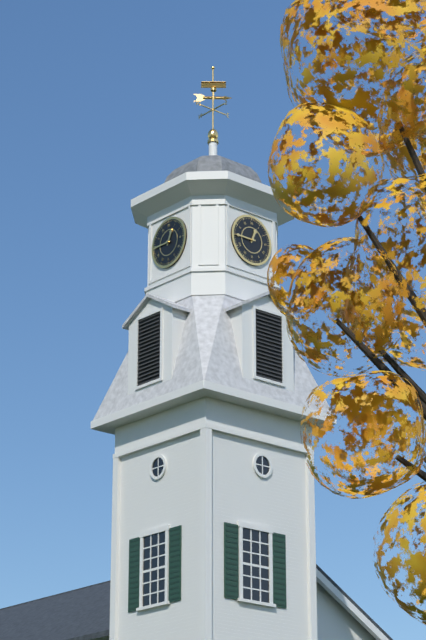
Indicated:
12.45
